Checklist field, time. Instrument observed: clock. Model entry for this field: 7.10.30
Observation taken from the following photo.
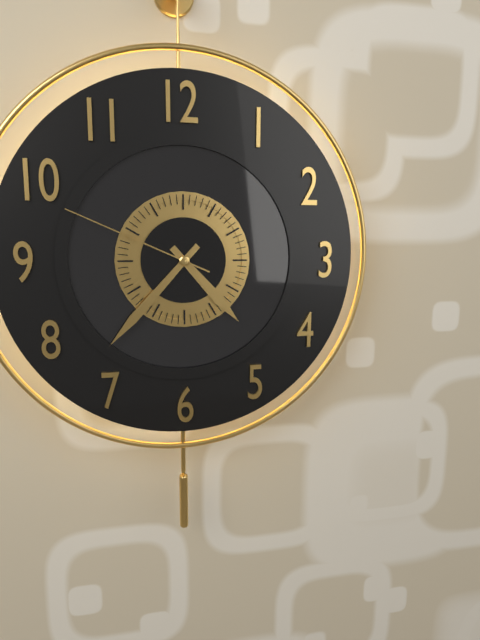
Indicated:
4.37.49
